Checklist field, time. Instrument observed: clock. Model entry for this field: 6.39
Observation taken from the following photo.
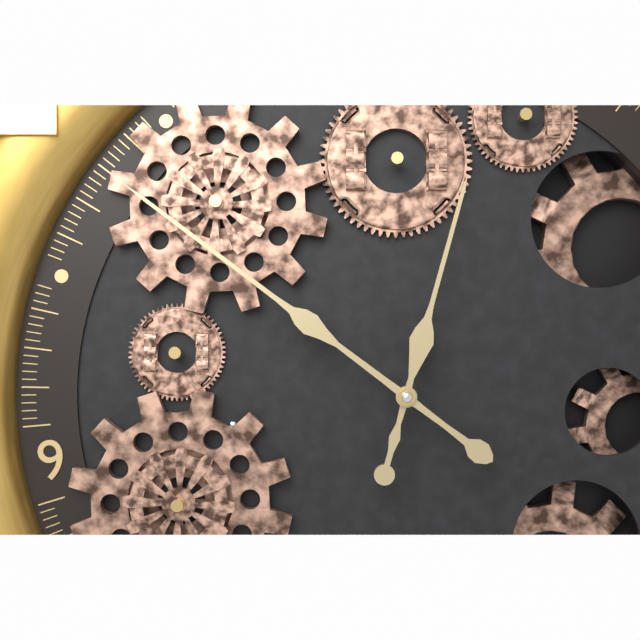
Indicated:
12.53
